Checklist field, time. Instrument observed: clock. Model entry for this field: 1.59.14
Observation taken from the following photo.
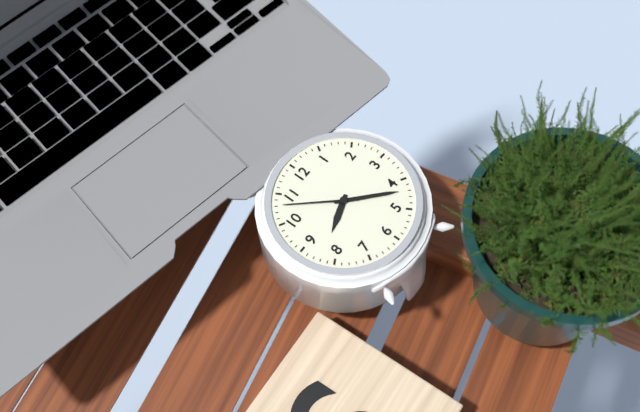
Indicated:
8.22.53
